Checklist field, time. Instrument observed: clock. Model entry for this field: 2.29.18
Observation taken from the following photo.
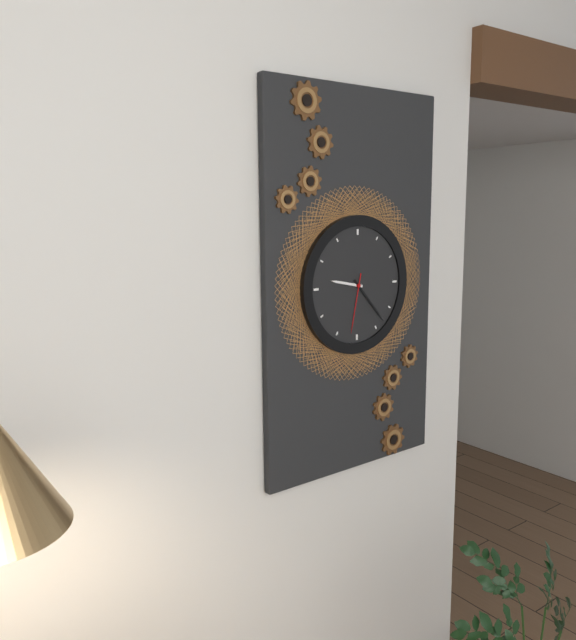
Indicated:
9.23.32
